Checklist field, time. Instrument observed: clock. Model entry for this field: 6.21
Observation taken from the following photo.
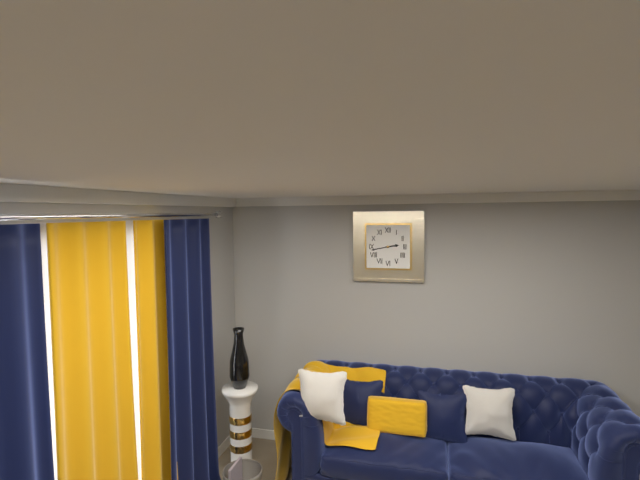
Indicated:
2.43
